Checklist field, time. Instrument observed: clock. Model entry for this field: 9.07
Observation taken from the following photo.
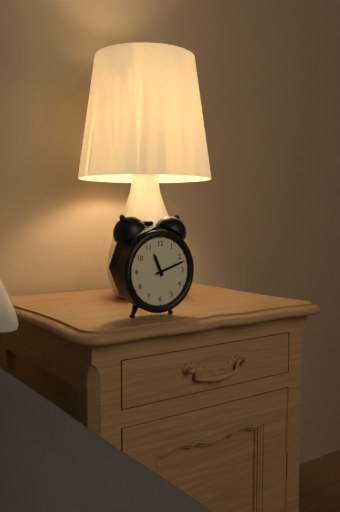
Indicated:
11.12
